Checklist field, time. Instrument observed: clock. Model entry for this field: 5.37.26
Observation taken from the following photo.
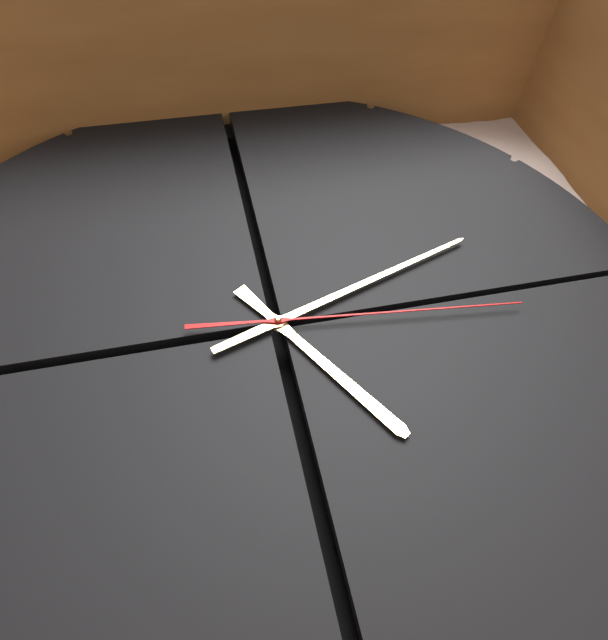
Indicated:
1.57.01
